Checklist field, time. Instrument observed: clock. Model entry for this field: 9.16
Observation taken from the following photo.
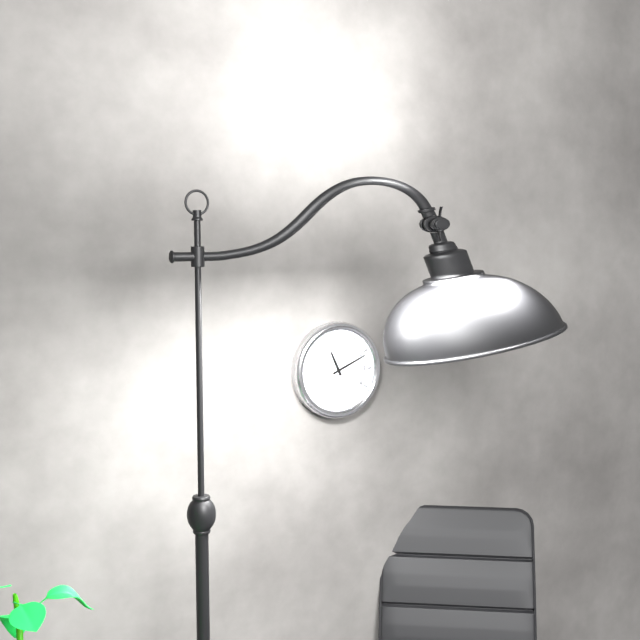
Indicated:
11.11
